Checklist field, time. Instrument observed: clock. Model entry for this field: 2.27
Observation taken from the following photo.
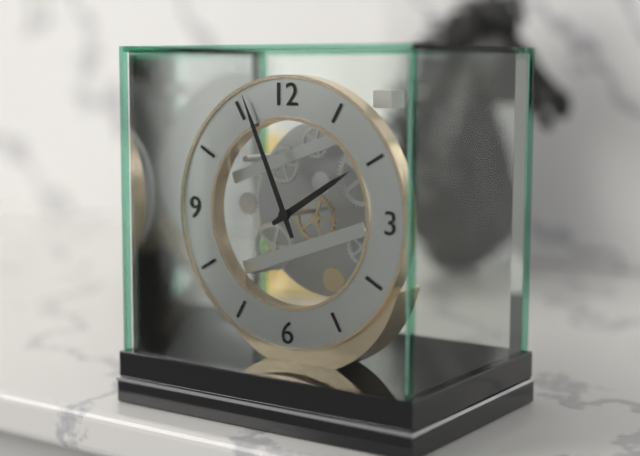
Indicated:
1.56
